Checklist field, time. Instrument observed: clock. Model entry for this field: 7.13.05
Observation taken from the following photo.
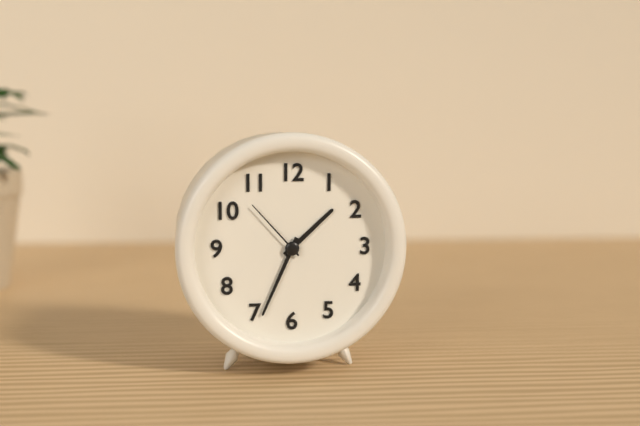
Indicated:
1.34.53
